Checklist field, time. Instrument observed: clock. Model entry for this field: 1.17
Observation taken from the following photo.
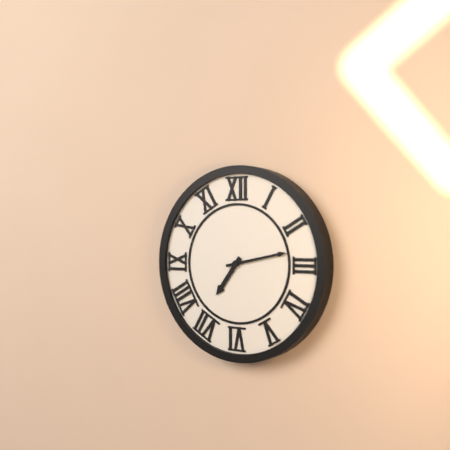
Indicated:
7.13
